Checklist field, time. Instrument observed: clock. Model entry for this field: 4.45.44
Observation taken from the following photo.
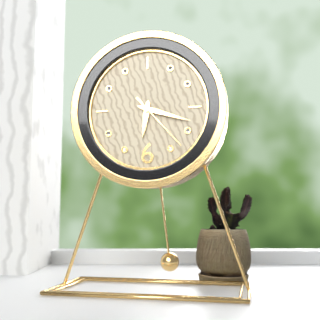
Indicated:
6.18.23
